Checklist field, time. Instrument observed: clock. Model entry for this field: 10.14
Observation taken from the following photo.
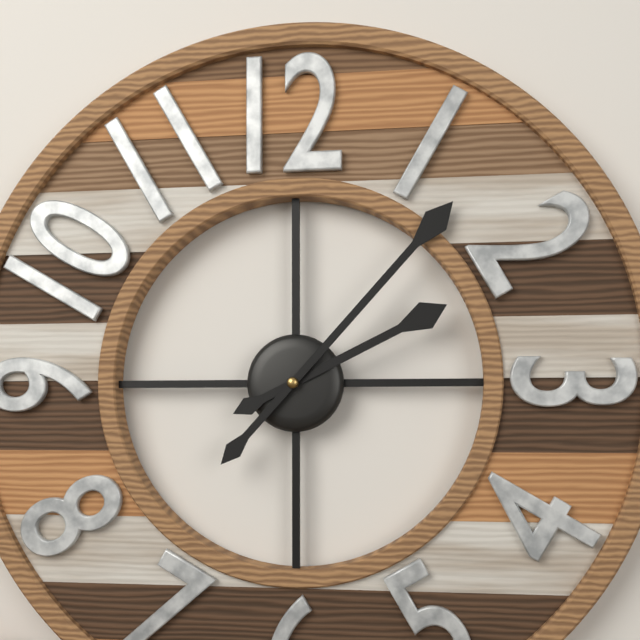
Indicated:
2.07
